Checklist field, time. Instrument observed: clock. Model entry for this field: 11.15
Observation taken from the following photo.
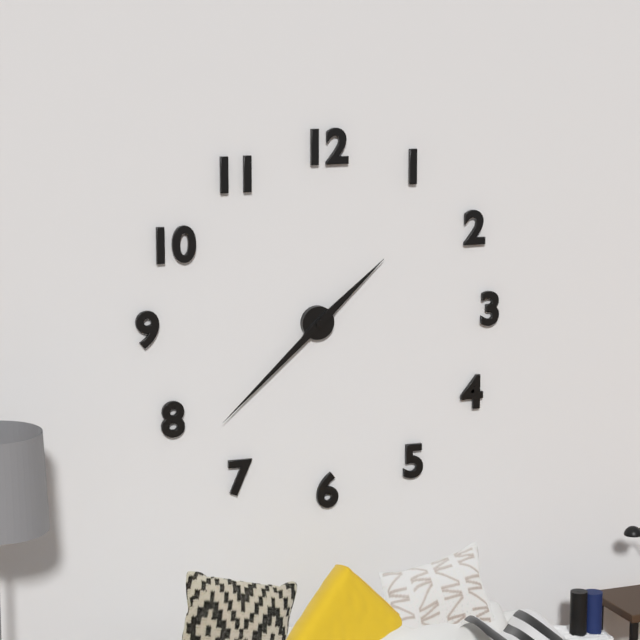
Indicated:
1.38
